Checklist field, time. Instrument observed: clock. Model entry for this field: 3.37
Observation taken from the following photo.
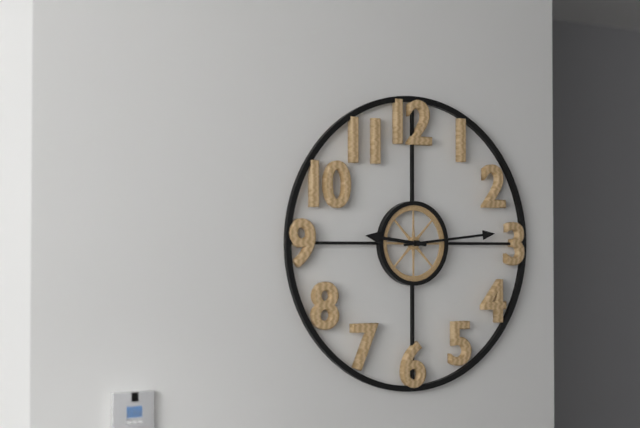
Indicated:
9.14
